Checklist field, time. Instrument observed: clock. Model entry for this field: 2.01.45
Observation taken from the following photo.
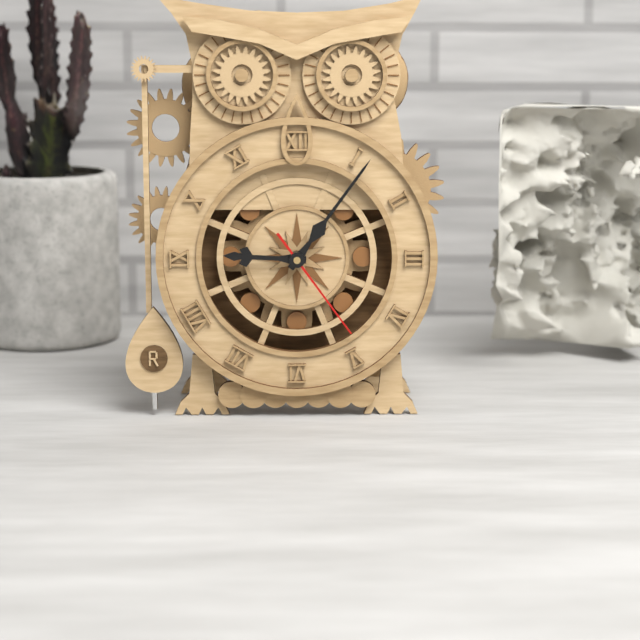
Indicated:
9.06.24
